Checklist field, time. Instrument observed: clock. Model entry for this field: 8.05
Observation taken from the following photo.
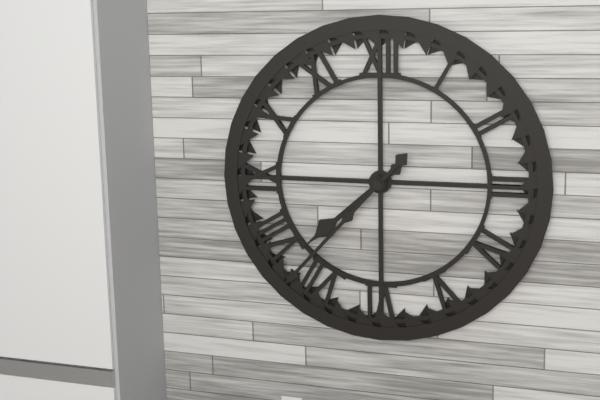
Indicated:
7.37
